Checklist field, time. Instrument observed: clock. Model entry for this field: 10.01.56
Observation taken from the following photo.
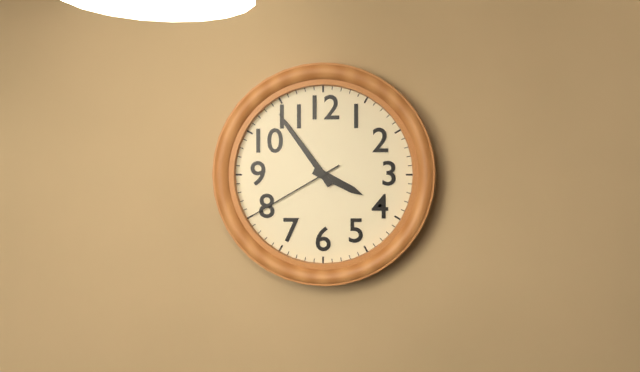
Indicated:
3.54.40
